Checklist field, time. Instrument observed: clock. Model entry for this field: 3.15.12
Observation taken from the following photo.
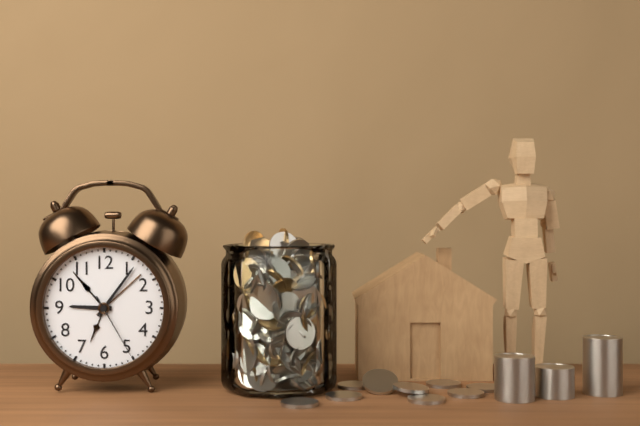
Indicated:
9.06.25
